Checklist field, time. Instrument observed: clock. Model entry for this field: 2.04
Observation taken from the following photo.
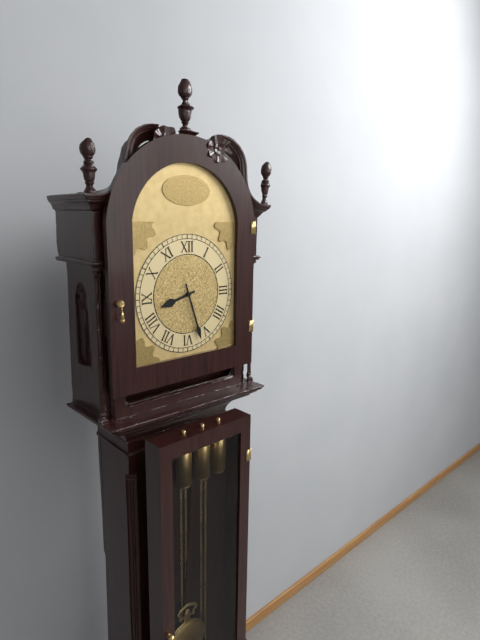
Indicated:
8.27
